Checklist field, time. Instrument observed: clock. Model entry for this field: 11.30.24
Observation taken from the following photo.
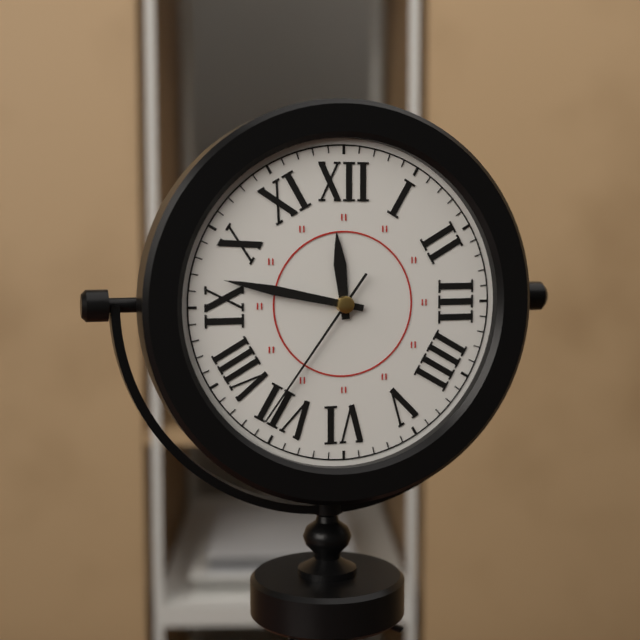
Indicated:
11.47.36
